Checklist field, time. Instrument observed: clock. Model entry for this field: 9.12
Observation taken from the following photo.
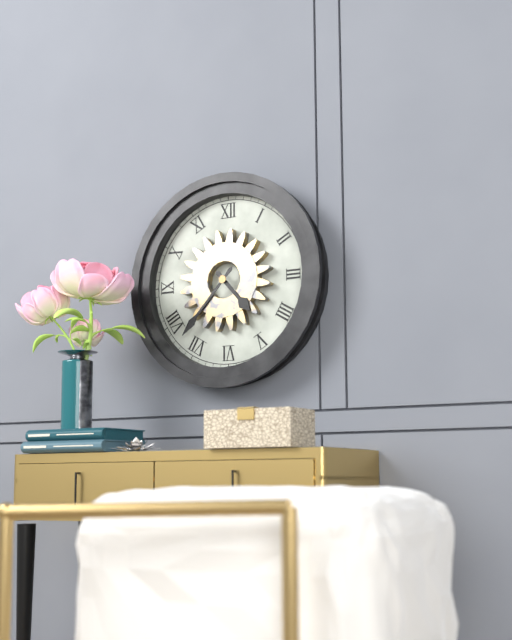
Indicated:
4.37
